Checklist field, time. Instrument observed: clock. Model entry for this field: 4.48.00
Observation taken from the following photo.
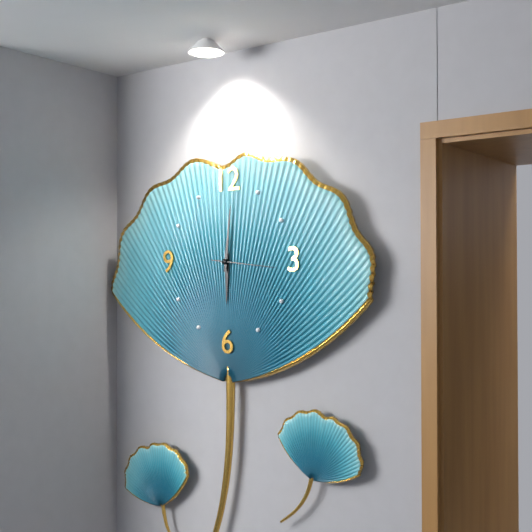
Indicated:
6.01.16
